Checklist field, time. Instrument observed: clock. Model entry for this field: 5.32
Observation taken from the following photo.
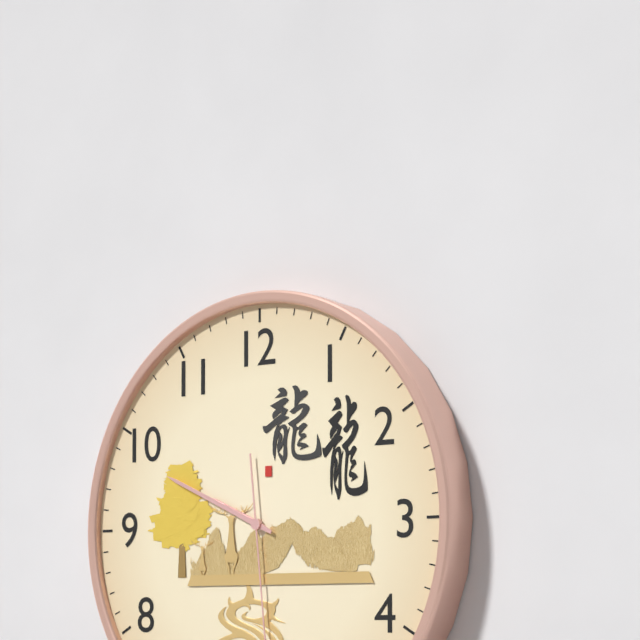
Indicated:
9.49
